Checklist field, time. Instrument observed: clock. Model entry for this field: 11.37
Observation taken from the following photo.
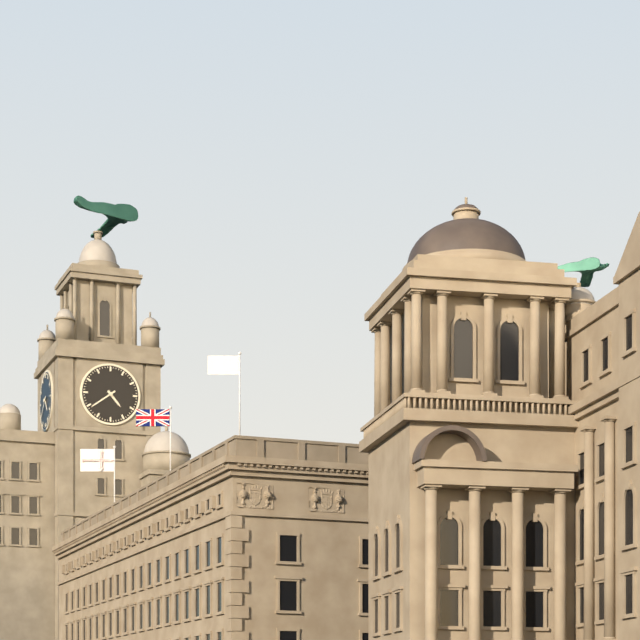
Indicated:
4.39
